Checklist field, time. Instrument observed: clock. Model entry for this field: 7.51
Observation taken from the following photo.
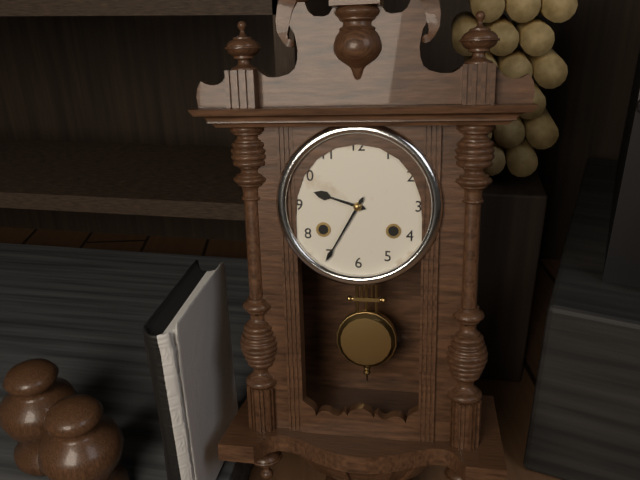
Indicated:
9.35
